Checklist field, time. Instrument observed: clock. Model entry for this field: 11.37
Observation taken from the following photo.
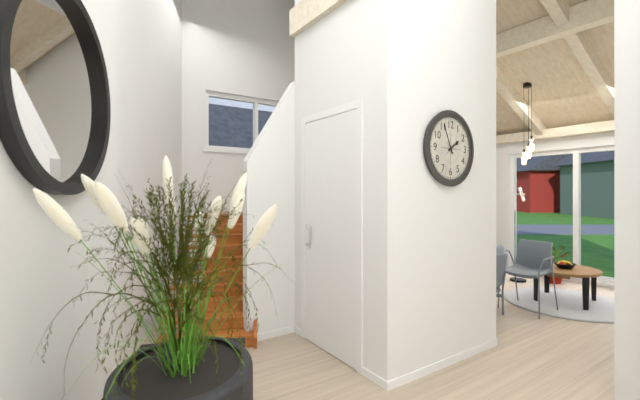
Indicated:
1.56
